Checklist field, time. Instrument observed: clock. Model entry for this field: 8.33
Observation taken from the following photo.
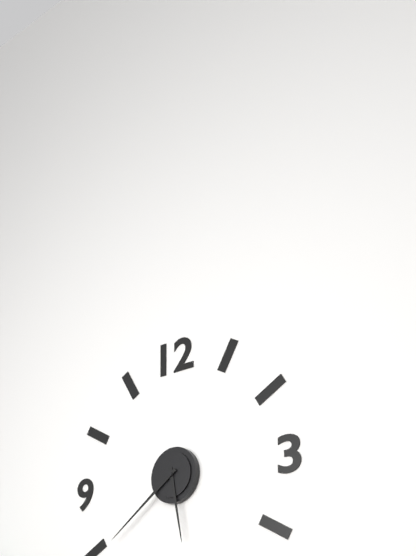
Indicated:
5.39
